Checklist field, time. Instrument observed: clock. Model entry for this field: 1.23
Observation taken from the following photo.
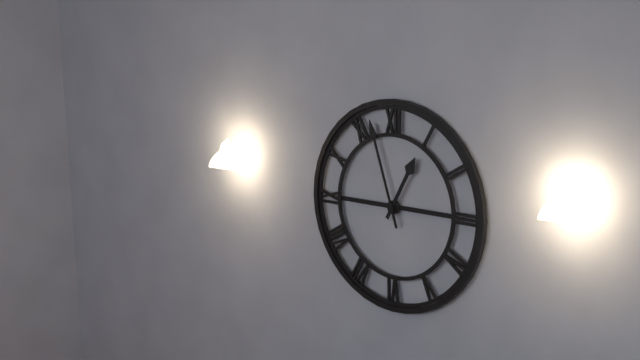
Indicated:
12.57
